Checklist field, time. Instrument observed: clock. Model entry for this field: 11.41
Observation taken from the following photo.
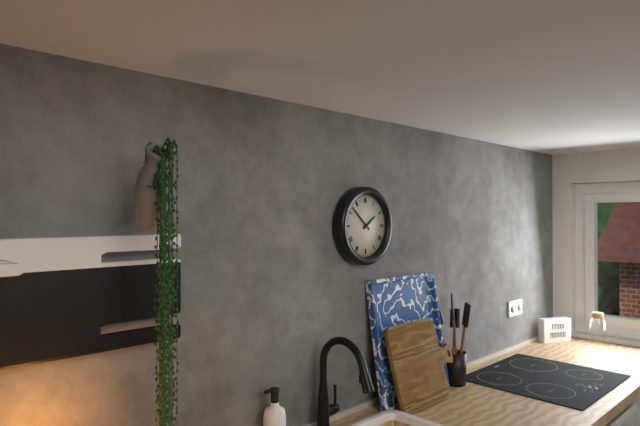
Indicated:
1.52
